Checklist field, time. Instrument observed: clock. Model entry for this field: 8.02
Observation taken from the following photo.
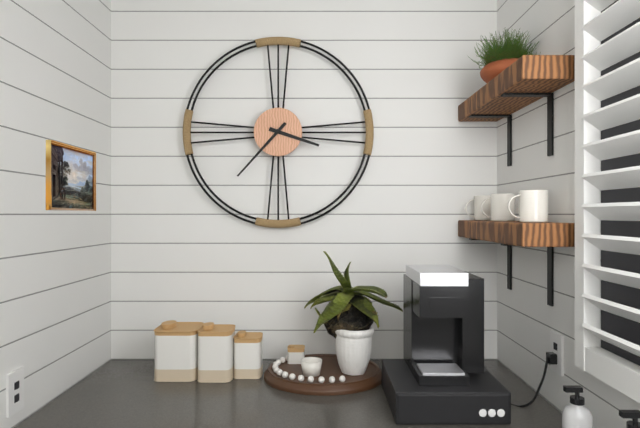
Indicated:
3.37
